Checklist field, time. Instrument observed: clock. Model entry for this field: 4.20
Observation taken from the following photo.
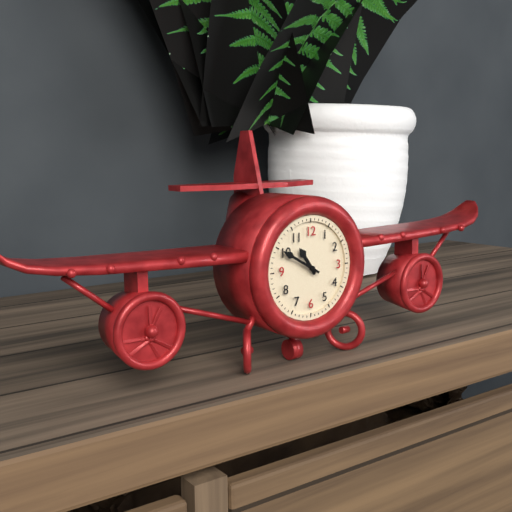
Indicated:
10.50
